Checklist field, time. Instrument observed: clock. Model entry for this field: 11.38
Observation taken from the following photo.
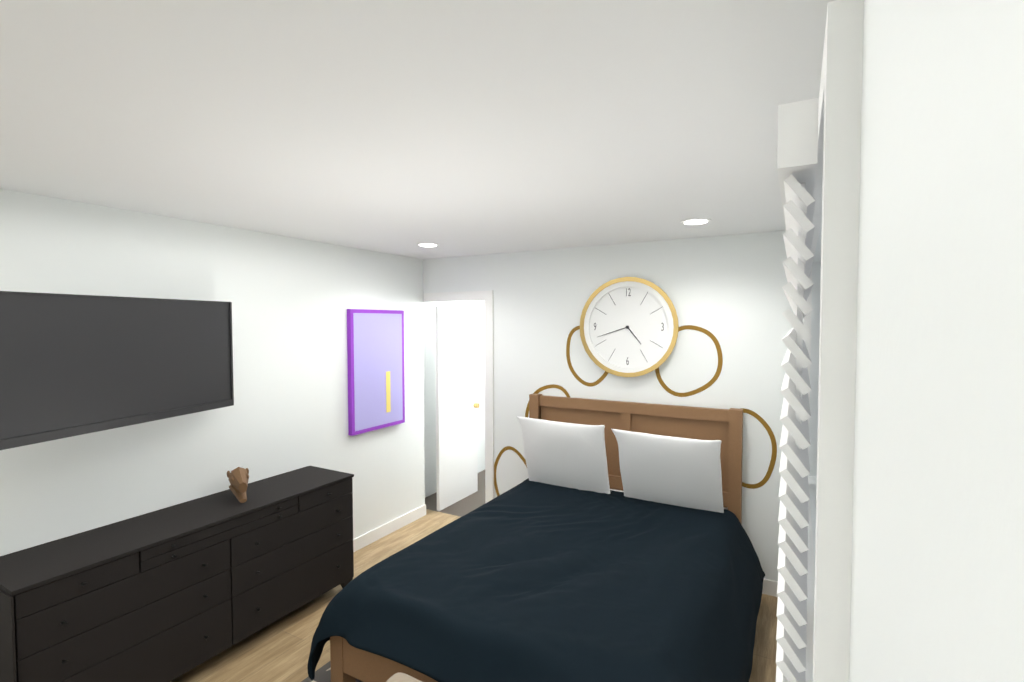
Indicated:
4.42
